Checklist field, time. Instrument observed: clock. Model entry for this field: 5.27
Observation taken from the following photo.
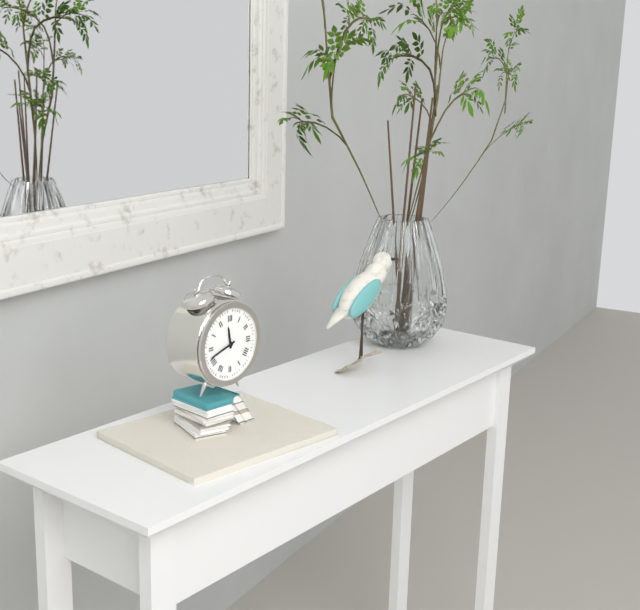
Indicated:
11.42
